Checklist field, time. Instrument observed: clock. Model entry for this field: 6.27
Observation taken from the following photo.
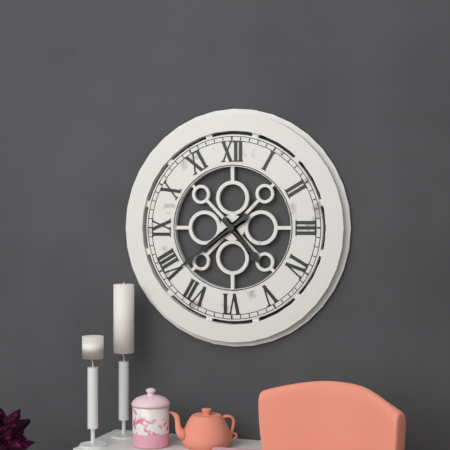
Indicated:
4.39
